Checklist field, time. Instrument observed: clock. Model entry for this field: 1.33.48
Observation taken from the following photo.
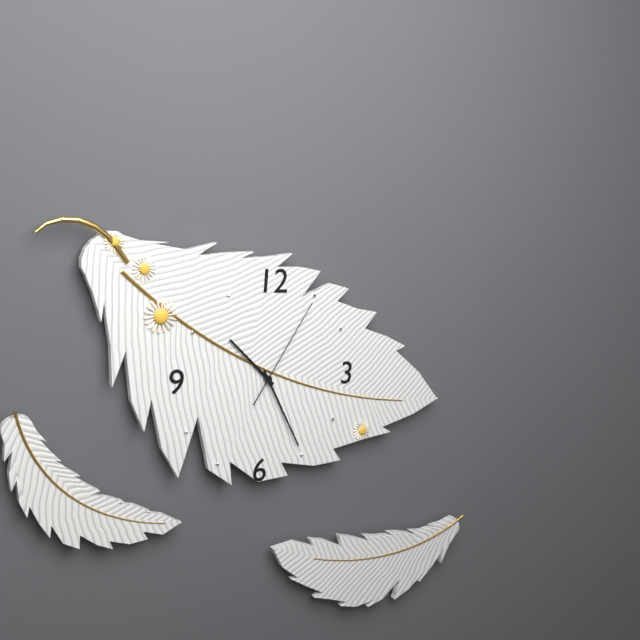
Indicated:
10.25.05
